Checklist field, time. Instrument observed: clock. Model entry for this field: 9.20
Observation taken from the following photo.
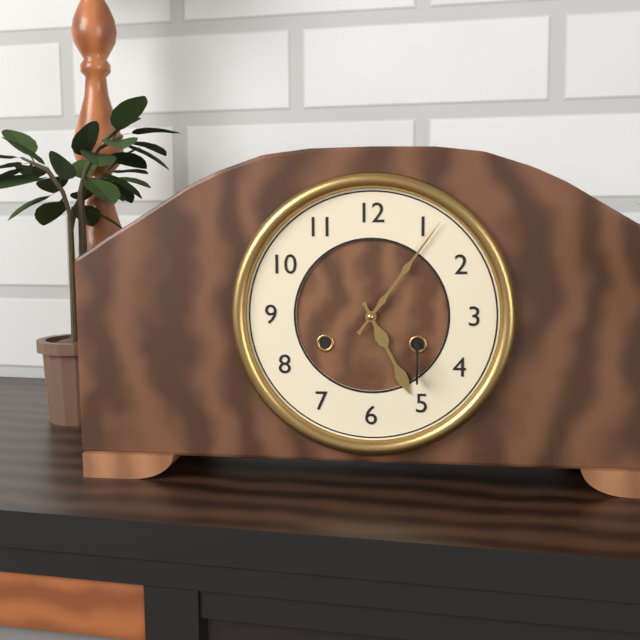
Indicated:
5.06
